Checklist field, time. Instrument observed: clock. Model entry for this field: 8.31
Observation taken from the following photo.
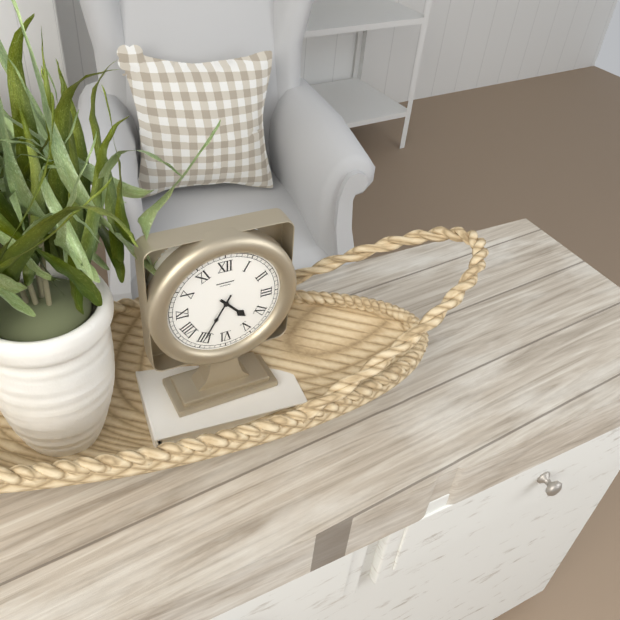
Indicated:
4.35
